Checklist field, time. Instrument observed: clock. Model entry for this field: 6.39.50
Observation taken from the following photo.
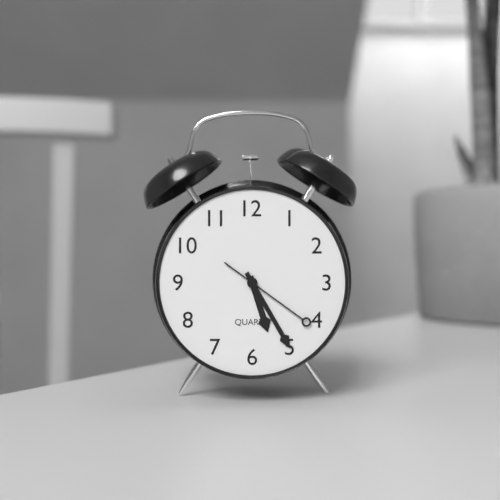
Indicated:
5.25.21
